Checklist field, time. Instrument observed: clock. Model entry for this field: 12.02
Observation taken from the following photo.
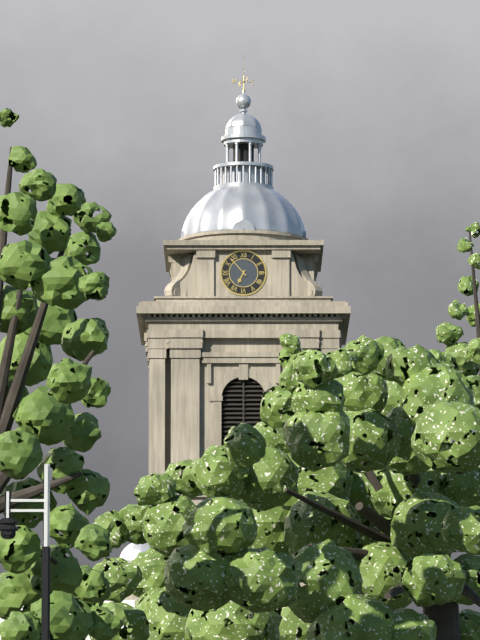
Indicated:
6.53
